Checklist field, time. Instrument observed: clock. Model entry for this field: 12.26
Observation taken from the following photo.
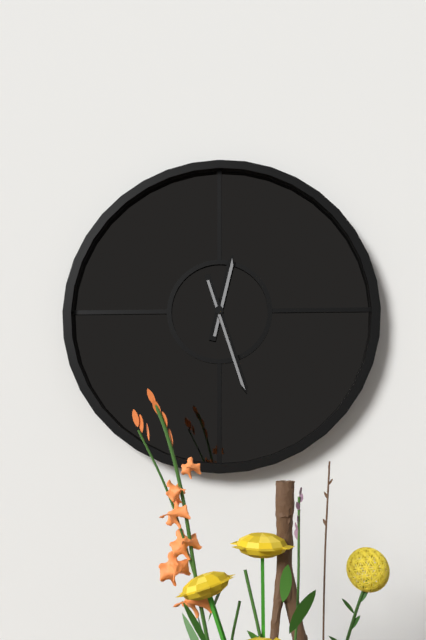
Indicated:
12.27
